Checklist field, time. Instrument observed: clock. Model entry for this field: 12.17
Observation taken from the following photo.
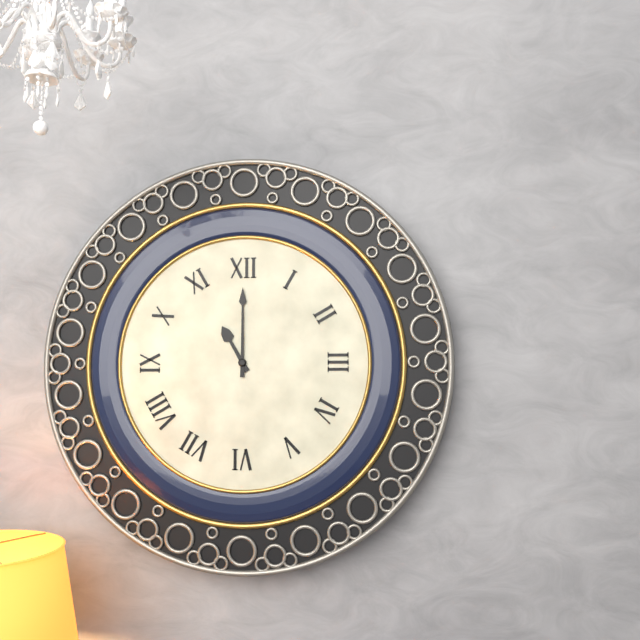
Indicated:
11.00
